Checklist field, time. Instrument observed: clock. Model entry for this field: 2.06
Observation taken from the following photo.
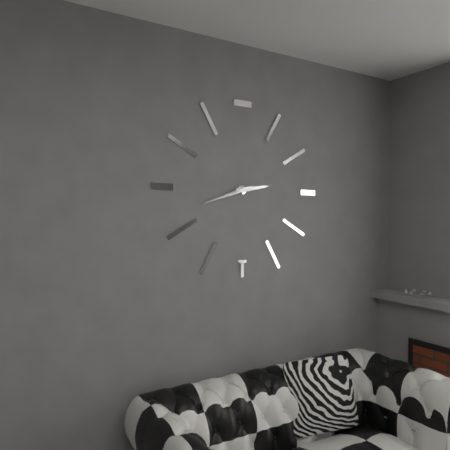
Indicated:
2.42
